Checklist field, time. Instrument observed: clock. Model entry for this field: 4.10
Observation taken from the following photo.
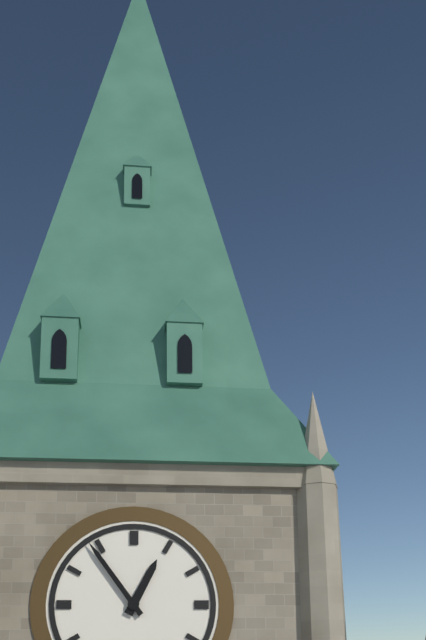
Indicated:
12.54
